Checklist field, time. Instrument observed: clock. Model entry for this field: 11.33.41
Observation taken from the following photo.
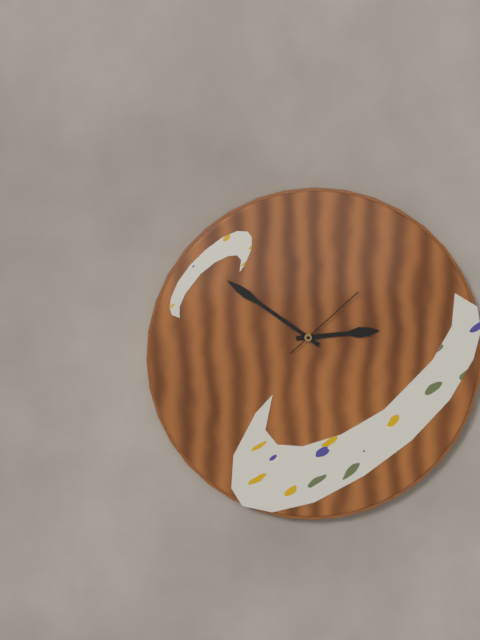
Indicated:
2.51.08
